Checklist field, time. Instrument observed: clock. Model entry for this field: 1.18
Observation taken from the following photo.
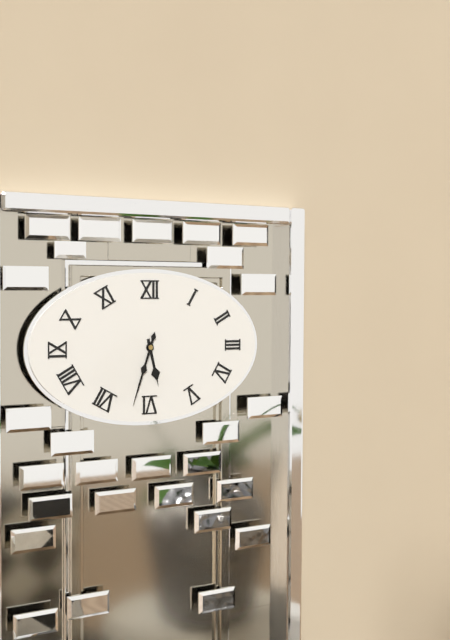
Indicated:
5.33
